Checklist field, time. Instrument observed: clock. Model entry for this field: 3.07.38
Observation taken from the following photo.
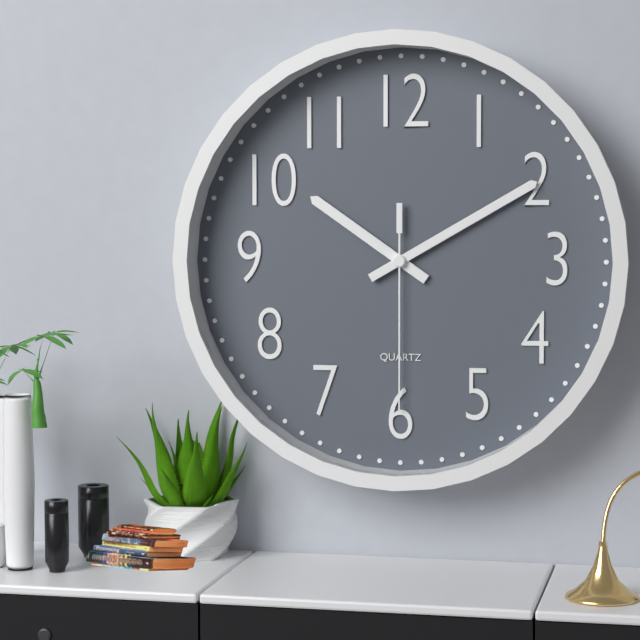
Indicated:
10.10.30
